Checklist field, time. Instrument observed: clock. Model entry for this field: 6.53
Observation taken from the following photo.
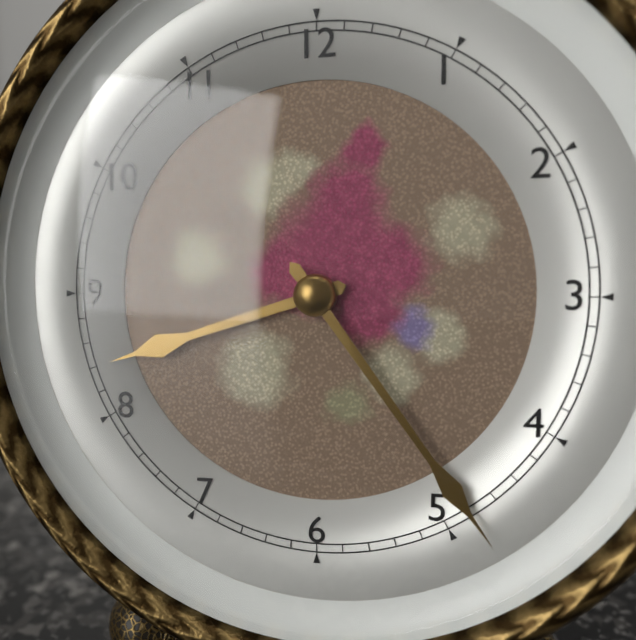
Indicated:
8.24
